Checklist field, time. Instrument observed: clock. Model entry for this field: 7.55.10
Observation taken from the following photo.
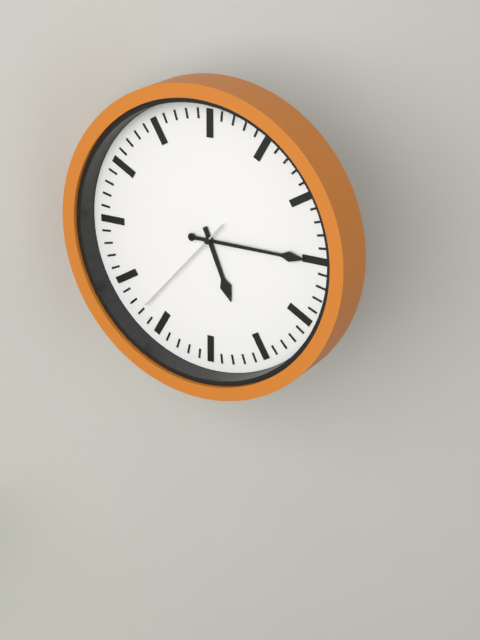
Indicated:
5.15.37
